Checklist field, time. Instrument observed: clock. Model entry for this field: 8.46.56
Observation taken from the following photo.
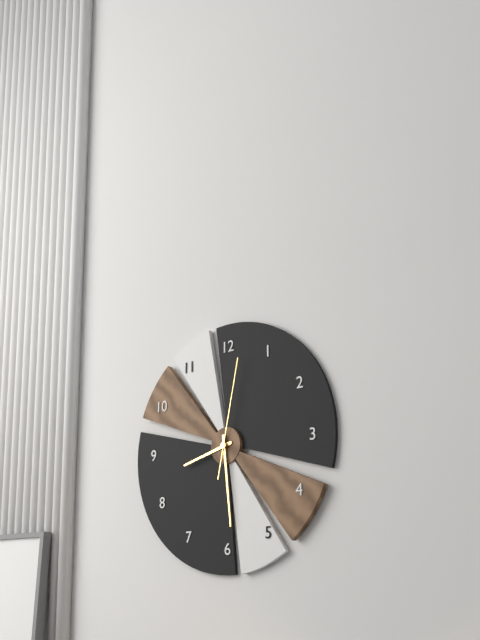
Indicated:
8.29.02
